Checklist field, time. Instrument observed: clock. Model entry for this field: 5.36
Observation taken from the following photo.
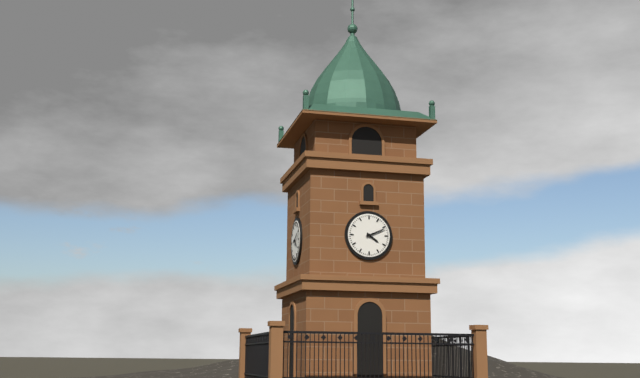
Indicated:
4.11
